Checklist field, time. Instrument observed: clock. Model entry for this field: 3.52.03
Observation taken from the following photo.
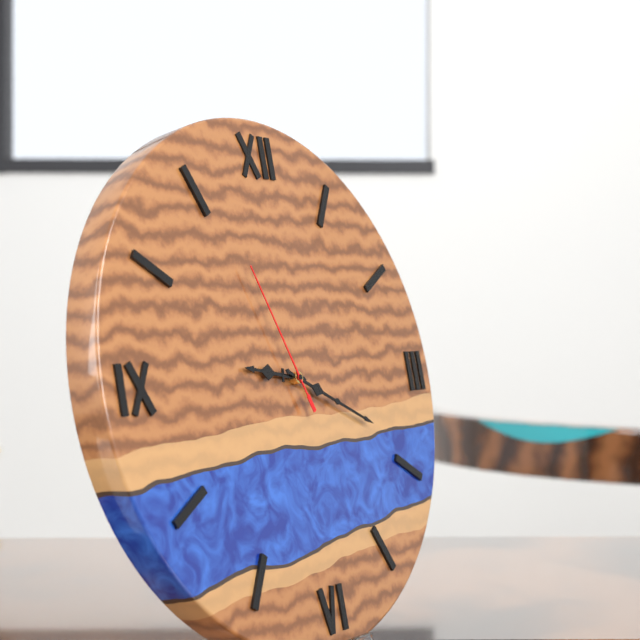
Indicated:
9.19.56
